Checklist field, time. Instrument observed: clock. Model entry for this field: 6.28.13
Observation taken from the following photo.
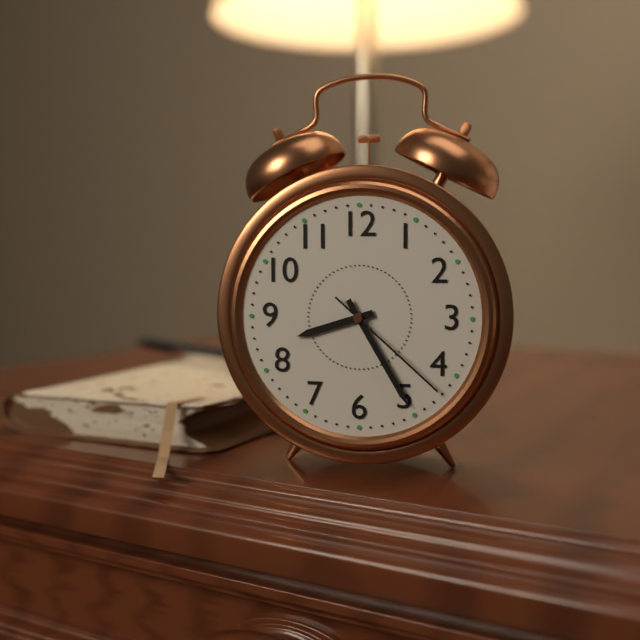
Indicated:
8.25.22
